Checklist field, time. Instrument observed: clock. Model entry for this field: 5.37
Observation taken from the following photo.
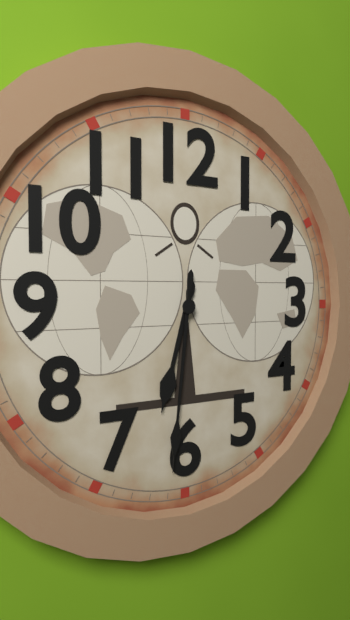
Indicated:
6.31
